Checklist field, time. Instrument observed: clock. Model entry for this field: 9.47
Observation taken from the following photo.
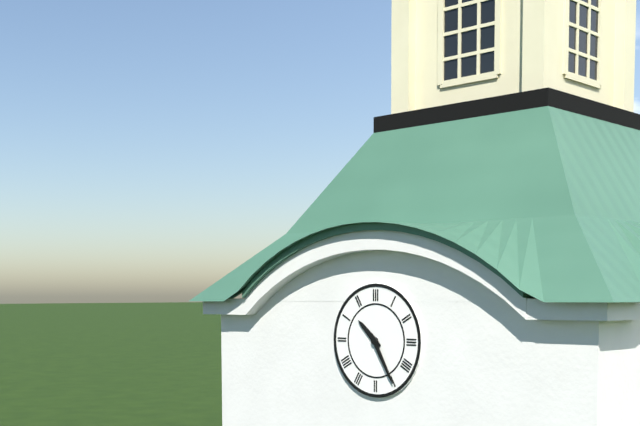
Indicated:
10.25
